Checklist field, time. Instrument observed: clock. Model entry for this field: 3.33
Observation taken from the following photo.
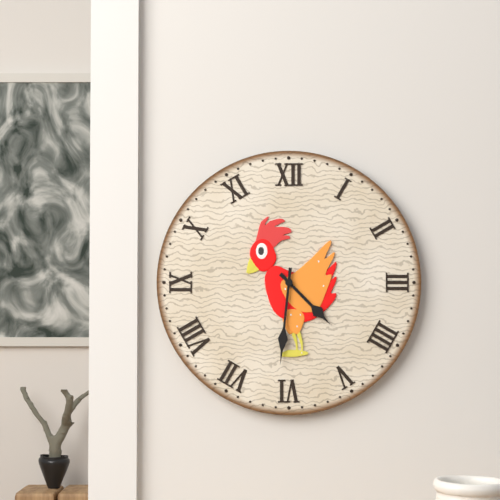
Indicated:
4.31
